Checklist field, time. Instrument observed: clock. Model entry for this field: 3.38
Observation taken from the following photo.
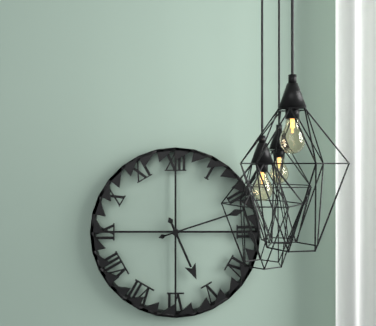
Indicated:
5.12
